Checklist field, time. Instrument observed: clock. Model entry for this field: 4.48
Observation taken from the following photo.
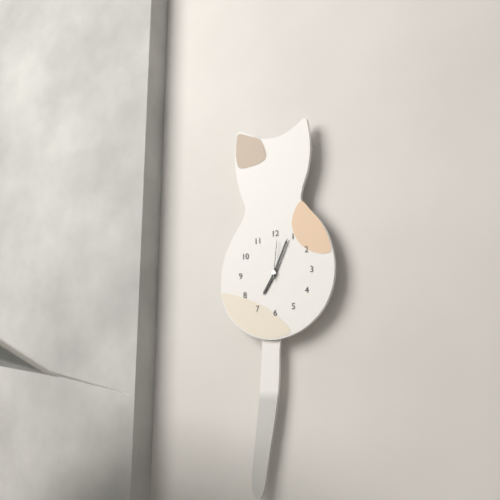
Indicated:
7.04
